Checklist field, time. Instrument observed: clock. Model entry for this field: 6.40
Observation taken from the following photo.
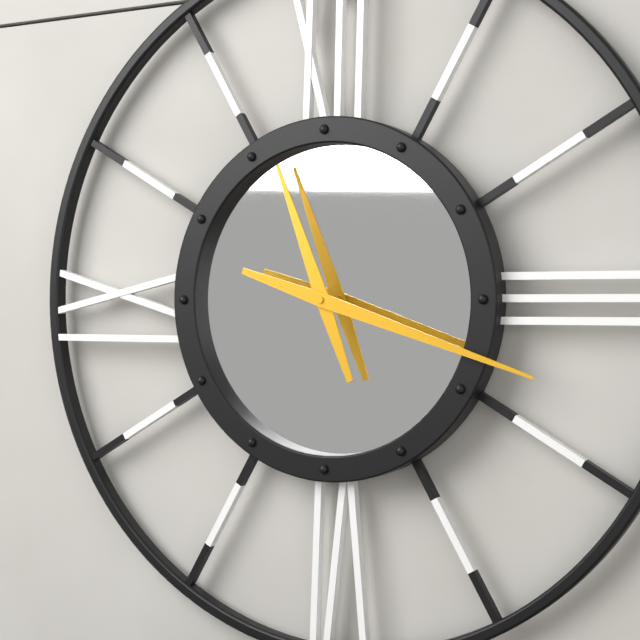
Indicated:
11.18
